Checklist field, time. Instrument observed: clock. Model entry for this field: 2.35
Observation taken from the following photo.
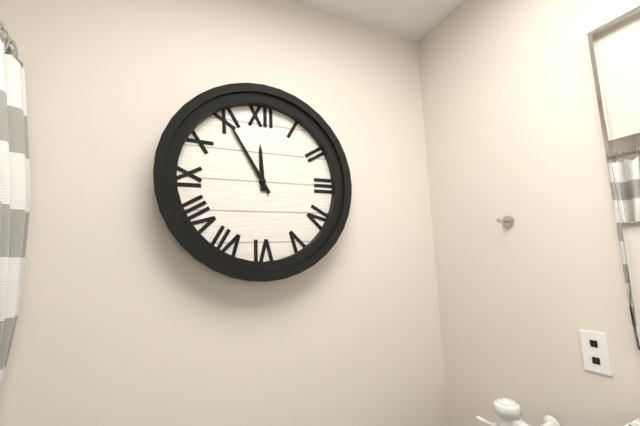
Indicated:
11.55
